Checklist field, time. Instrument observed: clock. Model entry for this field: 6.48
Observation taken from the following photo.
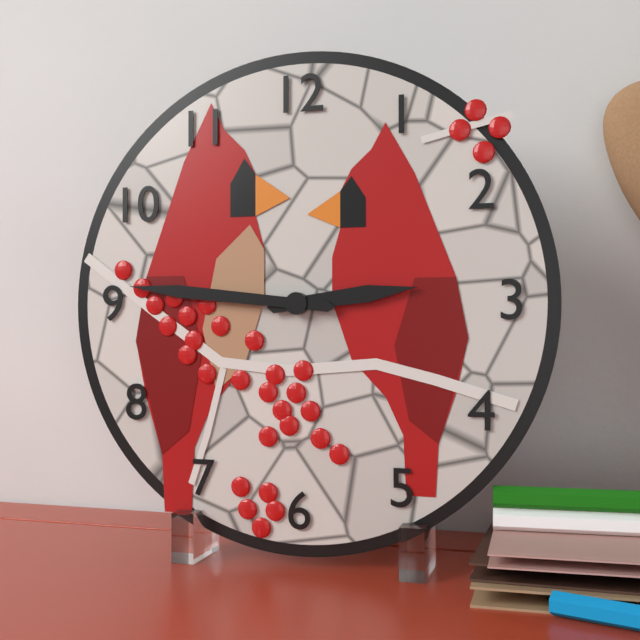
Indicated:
2.46
